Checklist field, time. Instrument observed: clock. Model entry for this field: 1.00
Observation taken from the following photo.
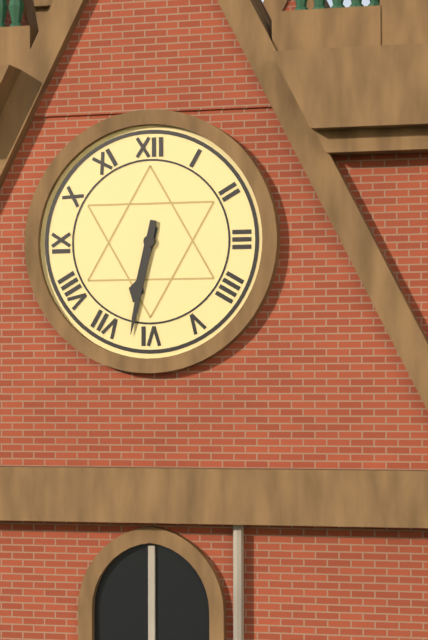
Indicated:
6.32
